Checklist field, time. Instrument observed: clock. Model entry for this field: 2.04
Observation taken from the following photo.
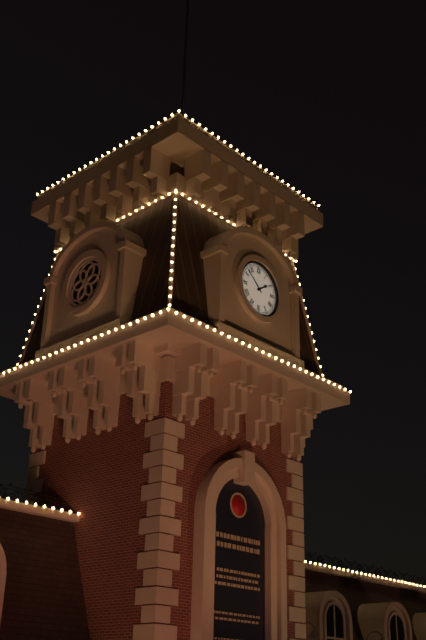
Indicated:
1.52
